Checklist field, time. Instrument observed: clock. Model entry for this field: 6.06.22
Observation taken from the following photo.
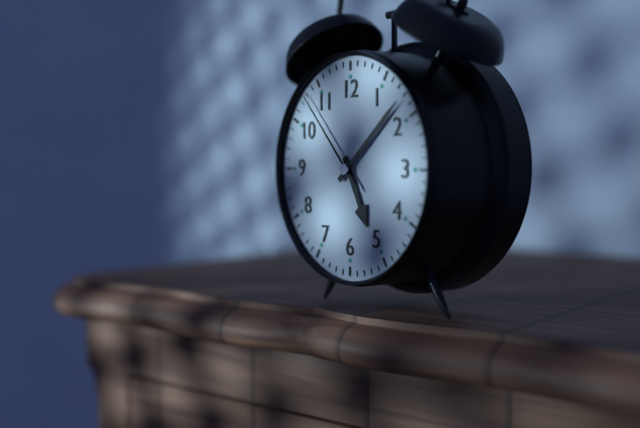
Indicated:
5.08.53
